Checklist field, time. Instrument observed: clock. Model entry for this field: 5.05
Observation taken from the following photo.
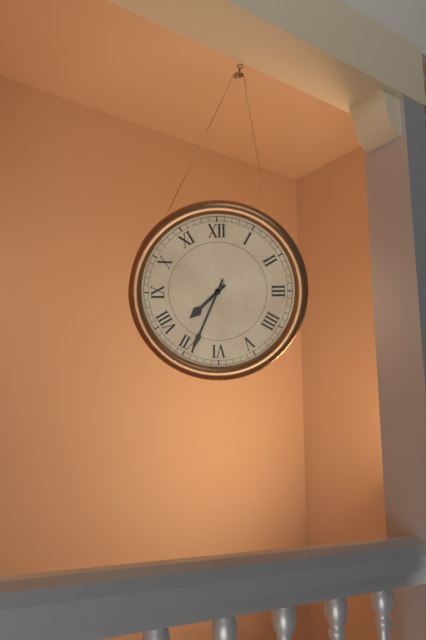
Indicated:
7.34
